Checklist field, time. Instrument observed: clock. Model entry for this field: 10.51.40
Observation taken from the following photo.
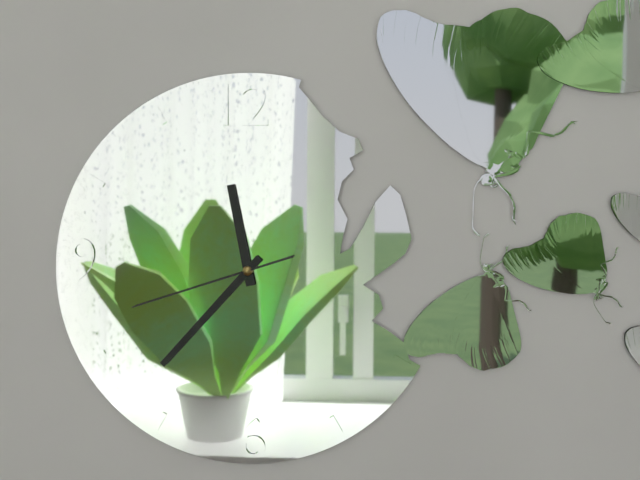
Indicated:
11.37.42
